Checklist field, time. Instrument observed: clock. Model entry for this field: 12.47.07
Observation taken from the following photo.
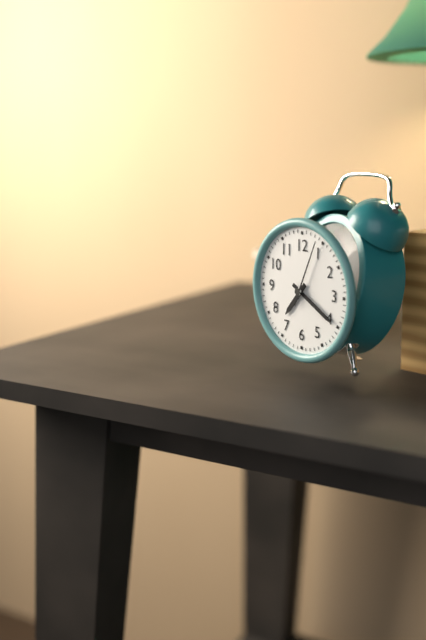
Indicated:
7.20.04
